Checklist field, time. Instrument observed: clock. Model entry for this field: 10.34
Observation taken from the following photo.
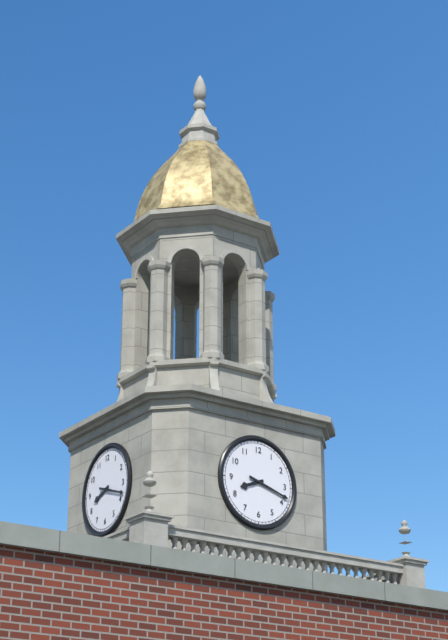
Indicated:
8.18
